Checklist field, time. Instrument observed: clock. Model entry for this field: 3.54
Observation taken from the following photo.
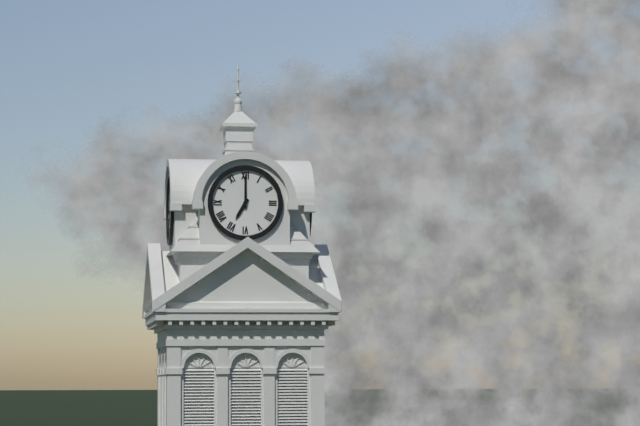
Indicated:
7.00
